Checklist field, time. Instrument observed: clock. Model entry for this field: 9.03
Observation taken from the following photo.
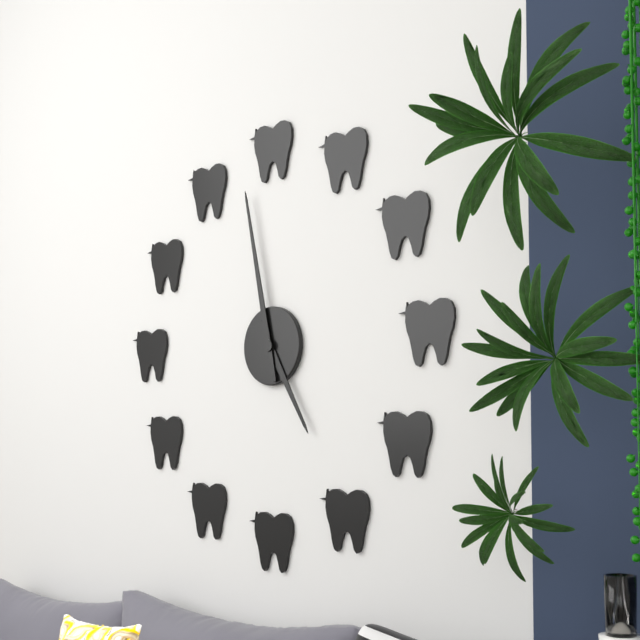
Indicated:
4.58
